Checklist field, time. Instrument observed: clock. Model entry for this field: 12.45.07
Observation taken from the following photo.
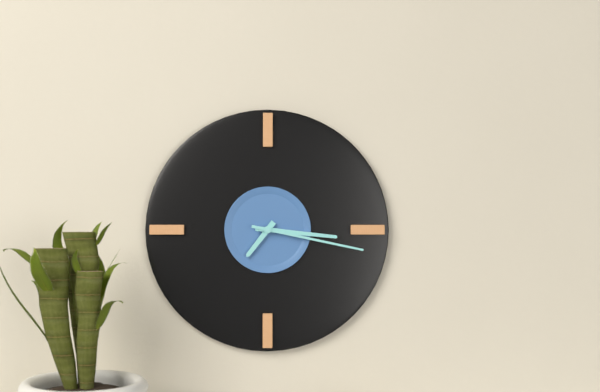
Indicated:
7.16.17
